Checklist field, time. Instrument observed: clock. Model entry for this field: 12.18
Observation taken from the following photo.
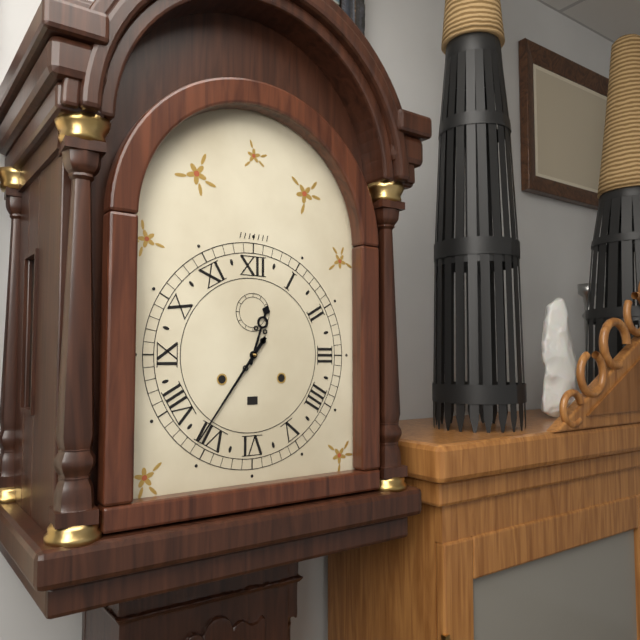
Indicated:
12.36
